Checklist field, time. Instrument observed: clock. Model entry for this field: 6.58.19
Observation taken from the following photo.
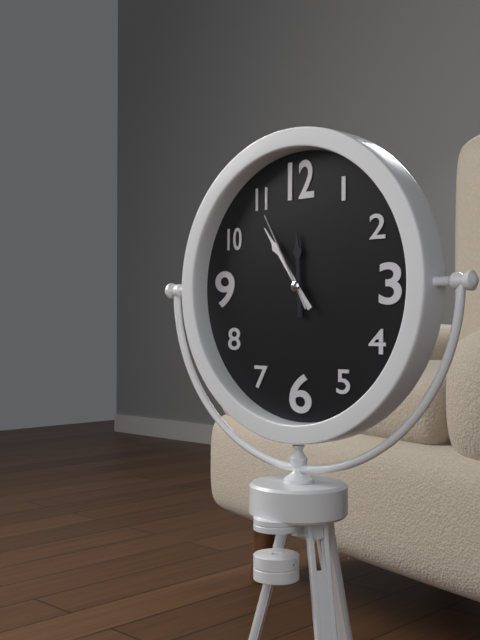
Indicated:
11.54.55
